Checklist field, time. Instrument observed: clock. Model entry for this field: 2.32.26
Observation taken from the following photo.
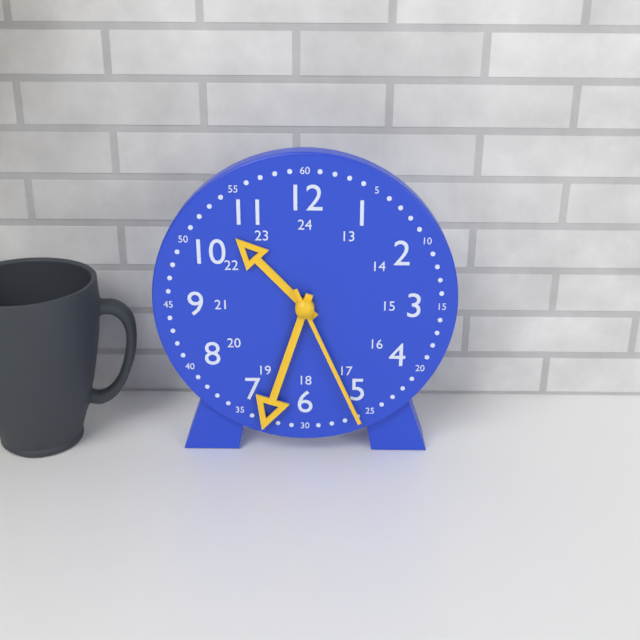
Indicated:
10.33.26
